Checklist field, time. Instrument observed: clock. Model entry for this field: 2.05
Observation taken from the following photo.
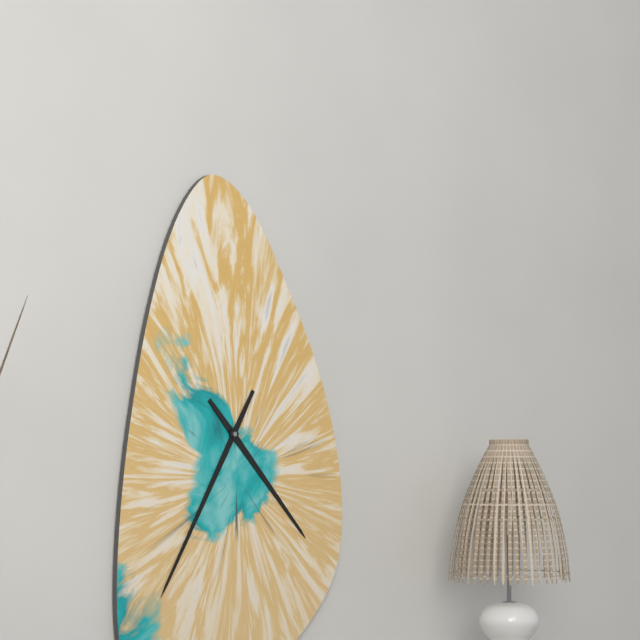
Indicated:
4.35
